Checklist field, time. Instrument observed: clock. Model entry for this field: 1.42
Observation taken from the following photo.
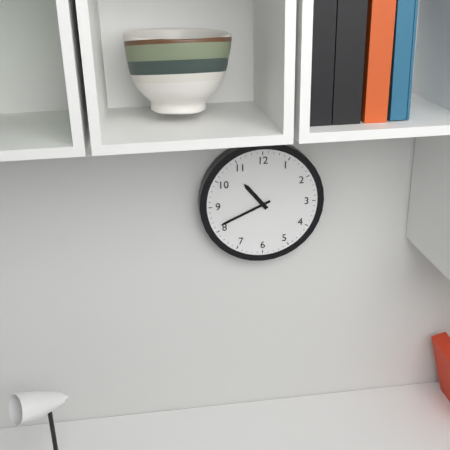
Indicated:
10.41
